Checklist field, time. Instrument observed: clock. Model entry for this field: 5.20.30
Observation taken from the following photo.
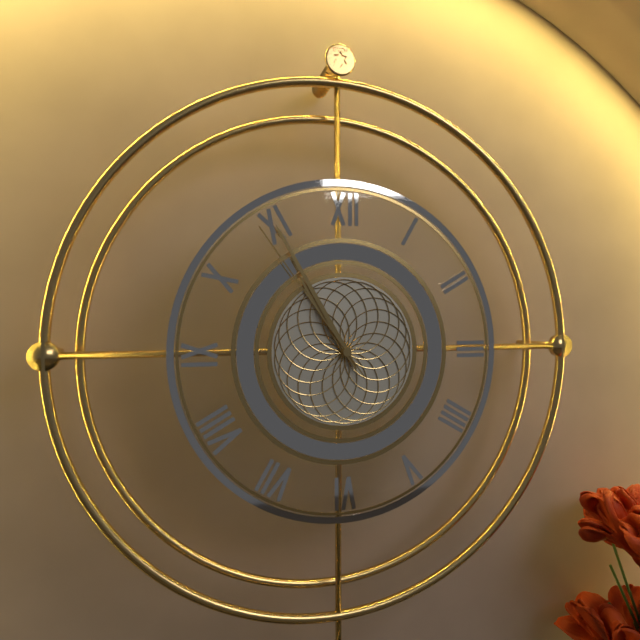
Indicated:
10.55.54
